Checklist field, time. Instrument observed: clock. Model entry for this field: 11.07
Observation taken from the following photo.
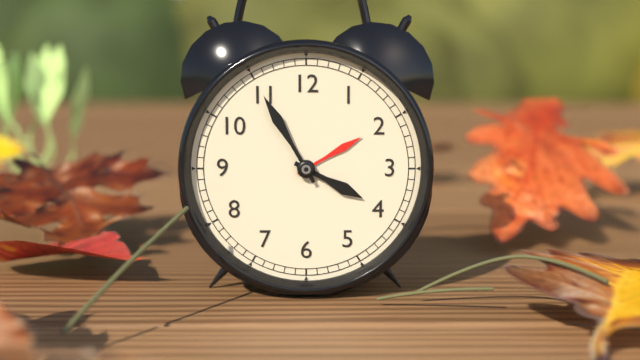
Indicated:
3.55
